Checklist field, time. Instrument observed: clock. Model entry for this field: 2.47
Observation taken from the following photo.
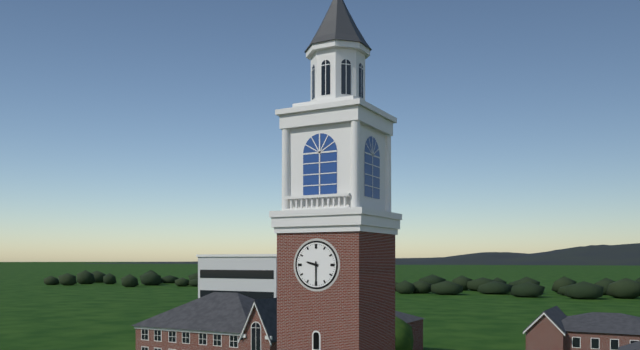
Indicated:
9.30
